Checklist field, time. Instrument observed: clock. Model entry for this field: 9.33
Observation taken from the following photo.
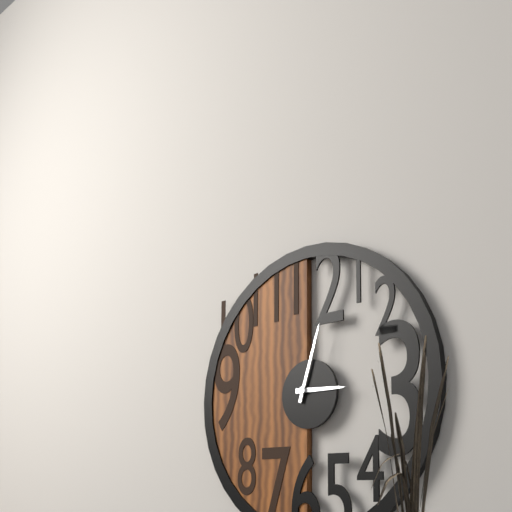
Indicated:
3.03
